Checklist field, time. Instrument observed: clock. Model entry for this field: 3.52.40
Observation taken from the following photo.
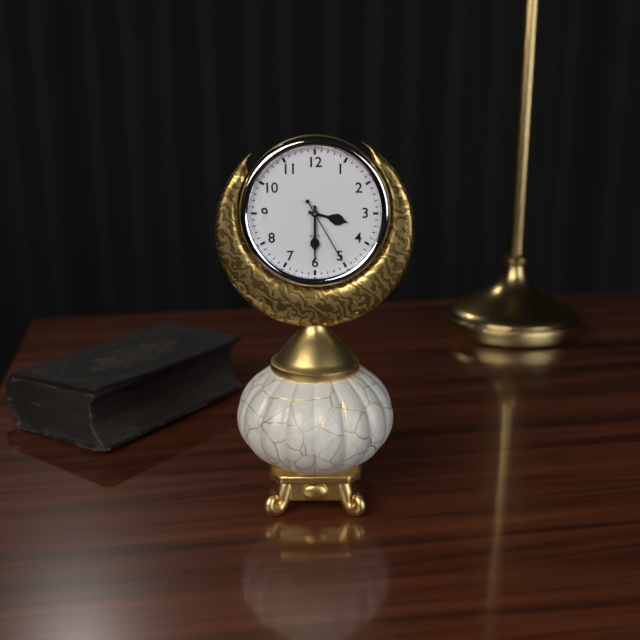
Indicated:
3.30.25
